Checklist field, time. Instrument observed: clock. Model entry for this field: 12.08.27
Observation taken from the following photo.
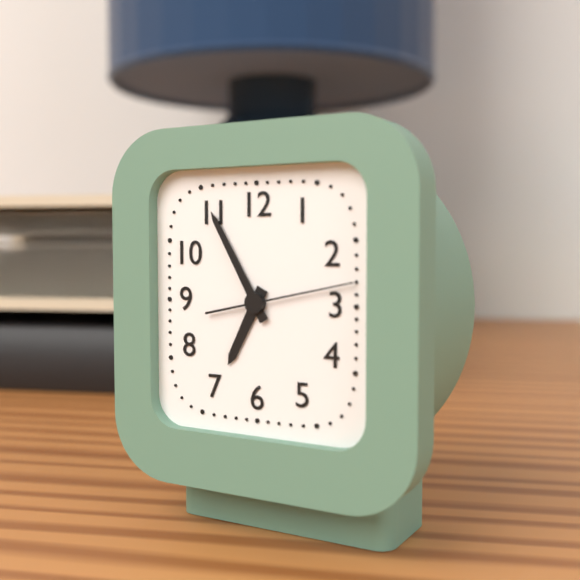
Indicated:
6.55.13
